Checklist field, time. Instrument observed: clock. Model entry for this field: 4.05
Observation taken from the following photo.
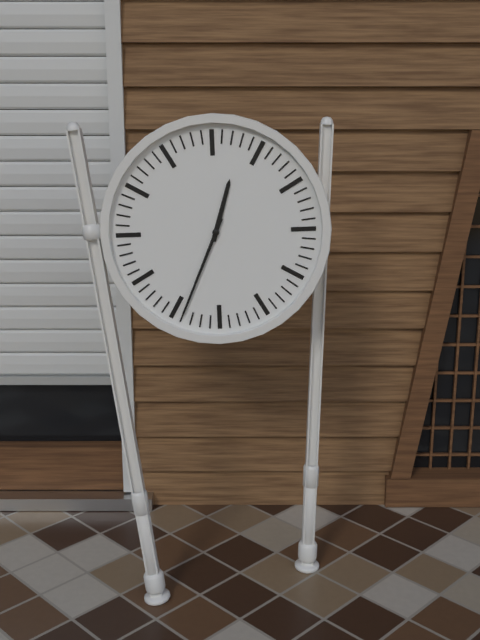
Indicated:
12.34
